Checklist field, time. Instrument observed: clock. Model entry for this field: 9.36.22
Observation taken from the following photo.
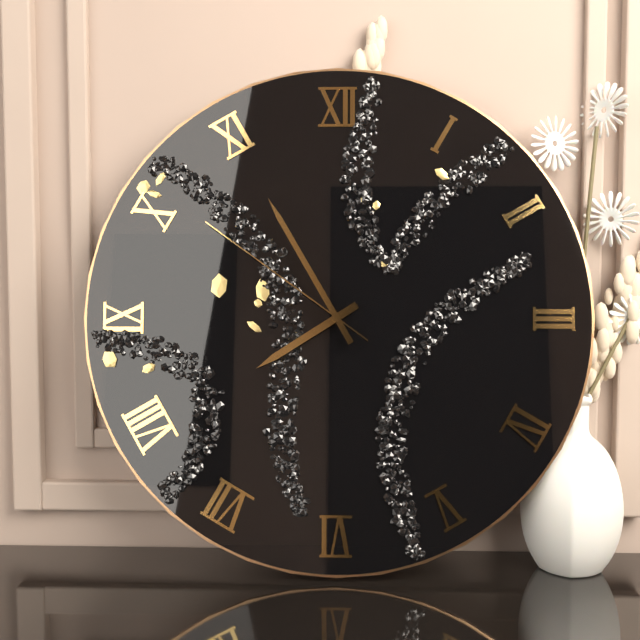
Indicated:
7.55.51
